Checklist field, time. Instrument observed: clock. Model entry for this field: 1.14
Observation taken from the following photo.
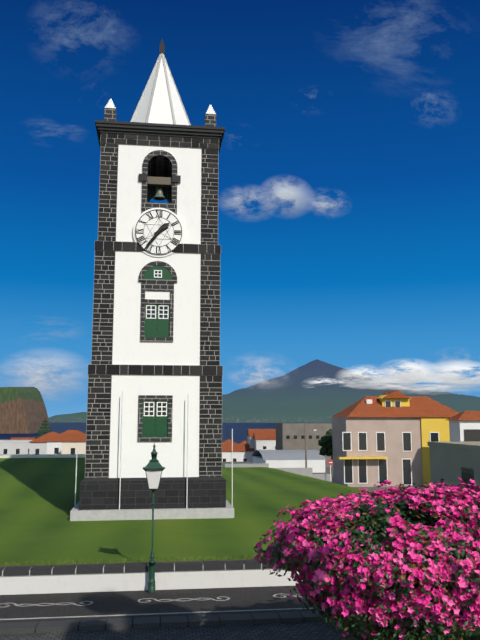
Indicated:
1.36
